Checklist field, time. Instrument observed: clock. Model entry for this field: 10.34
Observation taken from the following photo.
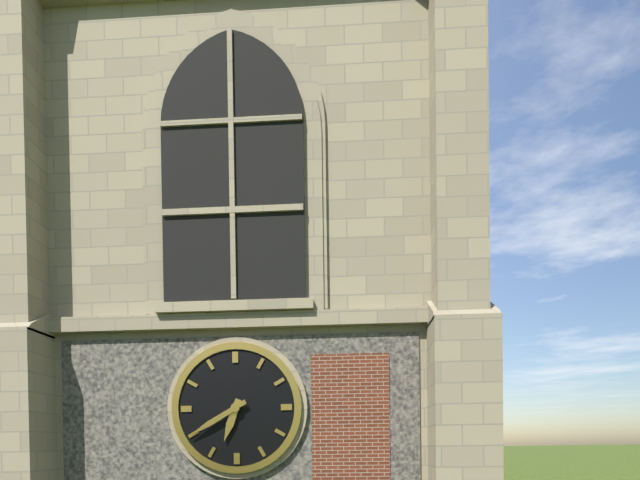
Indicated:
6.40
